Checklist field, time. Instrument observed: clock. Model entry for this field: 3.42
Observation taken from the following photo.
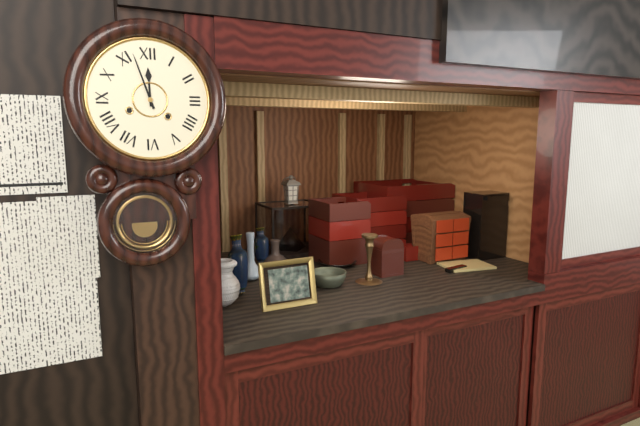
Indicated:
11.57
